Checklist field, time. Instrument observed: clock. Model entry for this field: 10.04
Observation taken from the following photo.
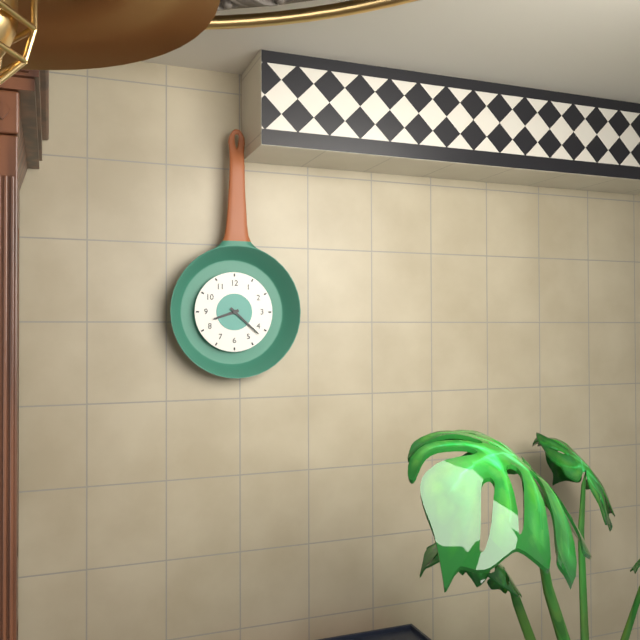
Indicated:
8.22
